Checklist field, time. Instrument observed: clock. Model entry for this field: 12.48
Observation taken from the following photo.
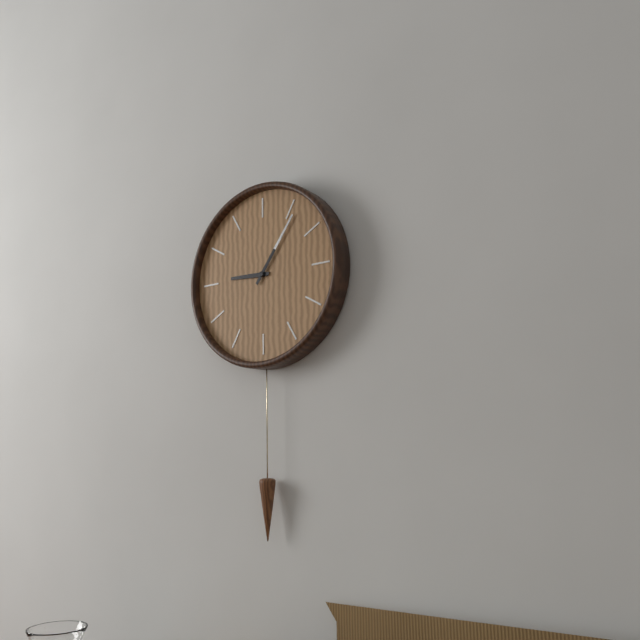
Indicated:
9.06
